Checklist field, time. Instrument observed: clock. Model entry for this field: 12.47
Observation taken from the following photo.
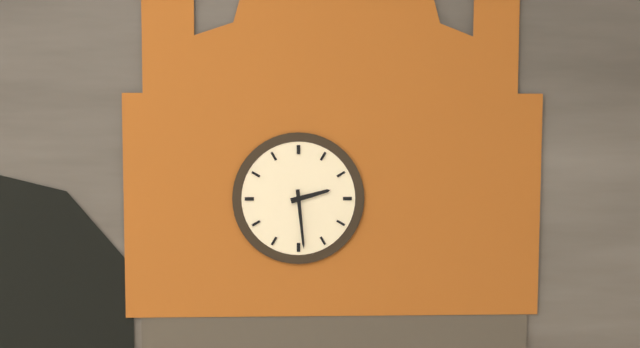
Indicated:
2.29
